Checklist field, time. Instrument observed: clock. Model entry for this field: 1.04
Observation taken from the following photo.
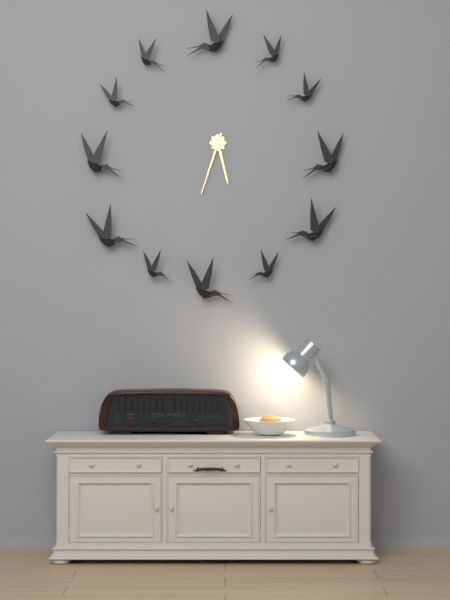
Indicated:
5.33
